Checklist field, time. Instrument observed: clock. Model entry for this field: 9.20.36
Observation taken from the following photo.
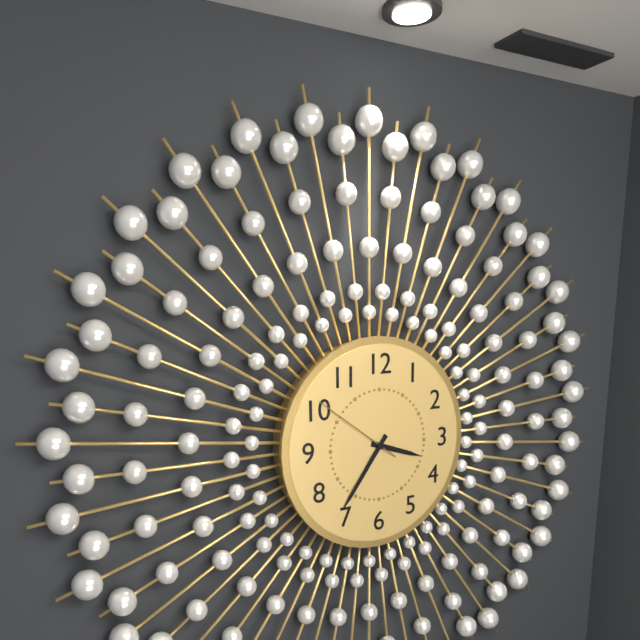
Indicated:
3.36.51
